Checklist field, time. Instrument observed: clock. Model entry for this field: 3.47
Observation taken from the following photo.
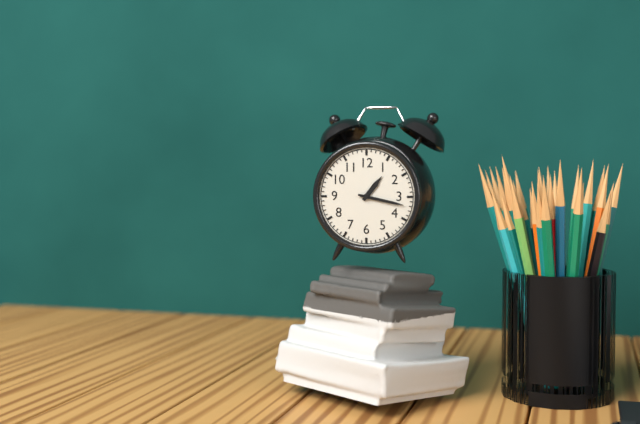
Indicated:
1.17
